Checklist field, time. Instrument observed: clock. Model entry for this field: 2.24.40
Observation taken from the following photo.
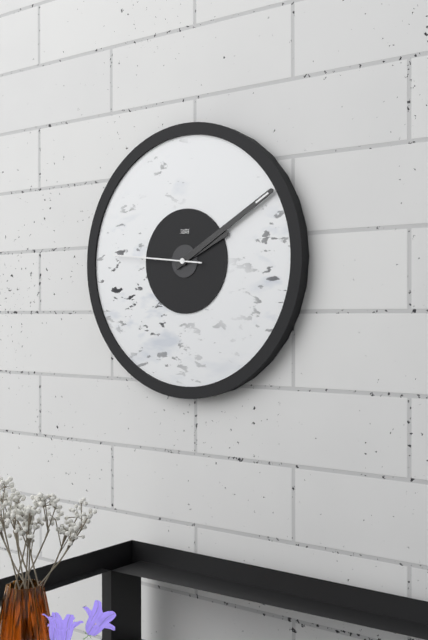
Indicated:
2.10.46
